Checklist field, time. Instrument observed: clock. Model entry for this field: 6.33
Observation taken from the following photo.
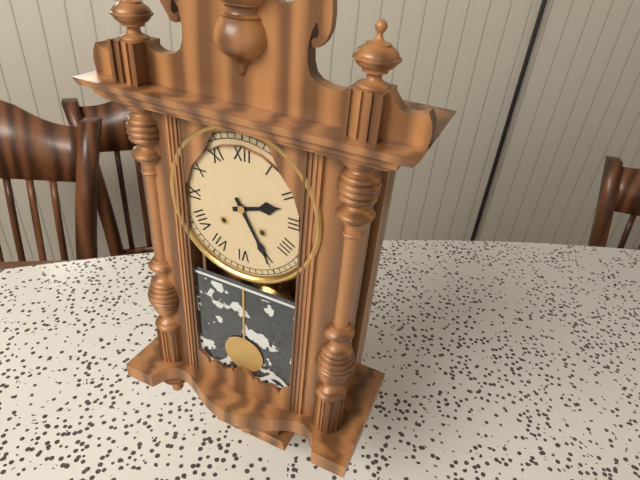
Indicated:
2.25
